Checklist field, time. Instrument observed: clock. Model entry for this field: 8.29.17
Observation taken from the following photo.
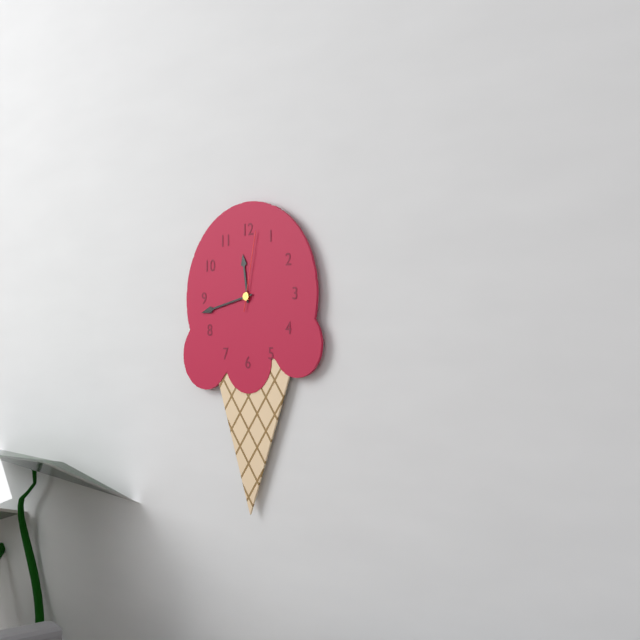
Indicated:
11.43.02
